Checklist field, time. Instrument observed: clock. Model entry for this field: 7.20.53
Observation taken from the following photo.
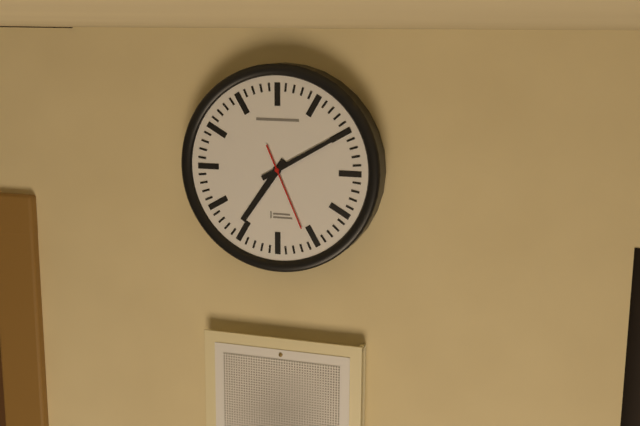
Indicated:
7.10.26
